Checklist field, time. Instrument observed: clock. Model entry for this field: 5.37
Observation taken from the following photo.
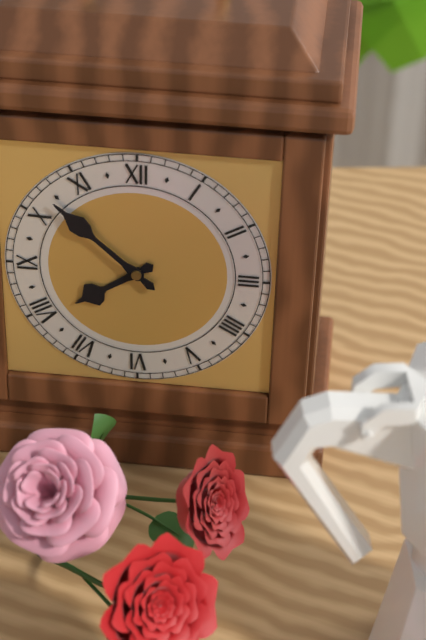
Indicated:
7.52
